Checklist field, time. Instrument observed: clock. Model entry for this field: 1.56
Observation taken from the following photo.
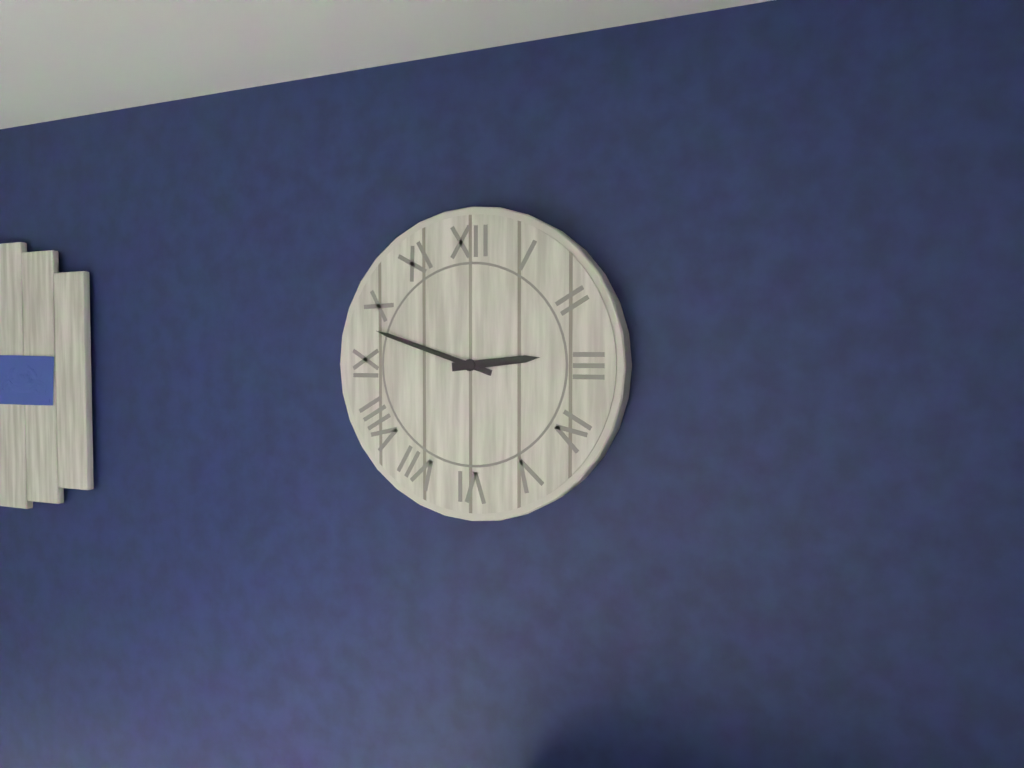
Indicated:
2.48
